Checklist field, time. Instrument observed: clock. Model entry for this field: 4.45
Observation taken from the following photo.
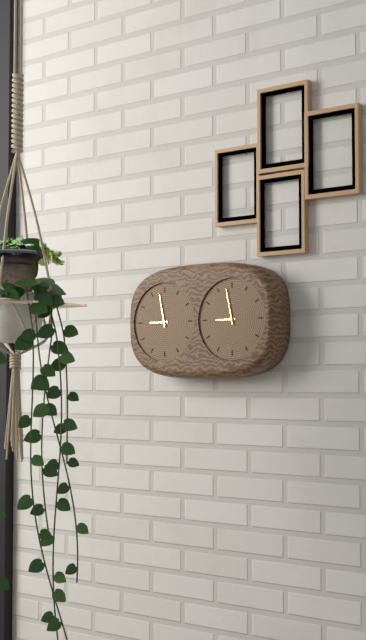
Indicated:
8.58
